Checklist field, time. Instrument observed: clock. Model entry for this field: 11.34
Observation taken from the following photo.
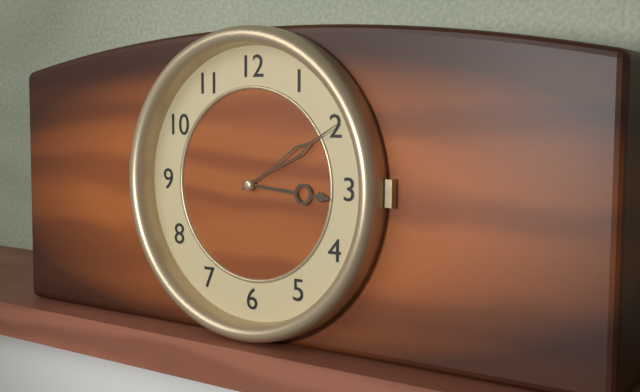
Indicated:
3.10
